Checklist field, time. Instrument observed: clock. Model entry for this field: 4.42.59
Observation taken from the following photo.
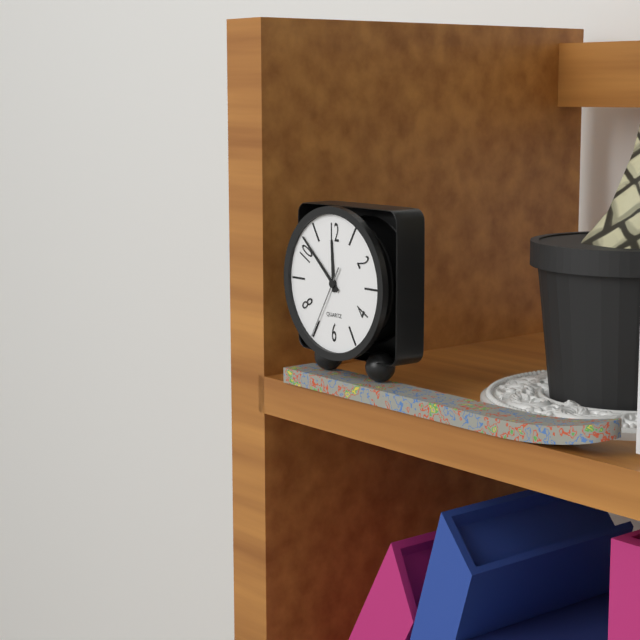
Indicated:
11.52.35
